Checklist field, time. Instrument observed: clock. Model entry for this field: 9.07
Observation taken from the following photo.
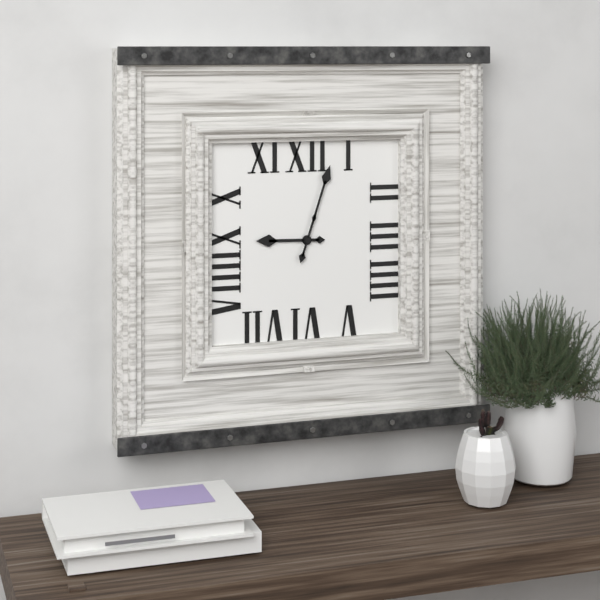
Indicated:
9.03
